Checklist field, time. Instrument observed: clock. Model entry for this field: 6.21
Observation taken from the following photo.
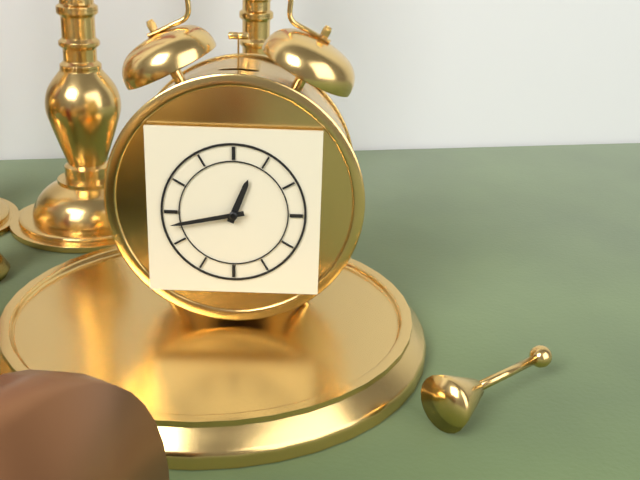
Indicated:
12.43
